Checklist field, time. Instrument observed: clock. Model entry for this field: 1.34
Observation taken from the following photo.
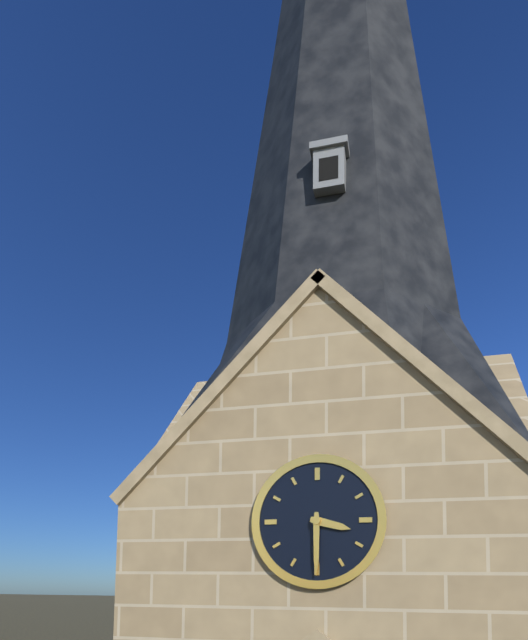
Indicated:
3.30
